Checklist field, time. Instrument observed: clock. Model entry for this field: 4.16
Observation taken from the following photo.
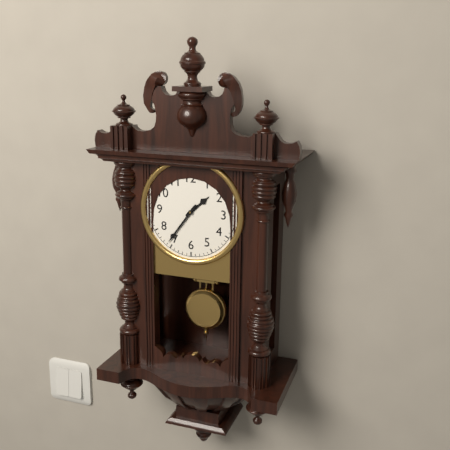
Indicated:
1.36
